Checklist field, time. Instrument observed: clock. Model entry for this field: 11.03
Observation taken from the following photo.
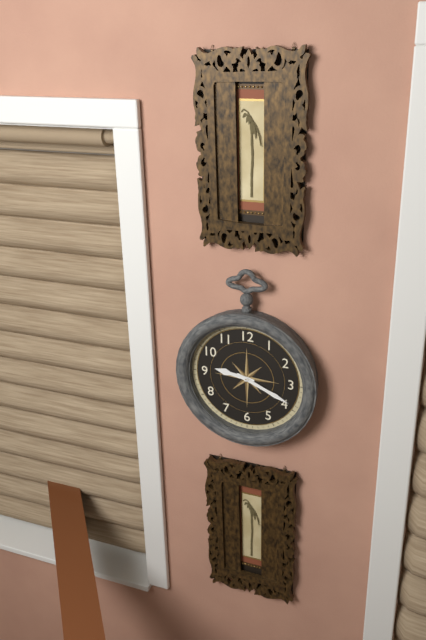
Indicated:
9.19
